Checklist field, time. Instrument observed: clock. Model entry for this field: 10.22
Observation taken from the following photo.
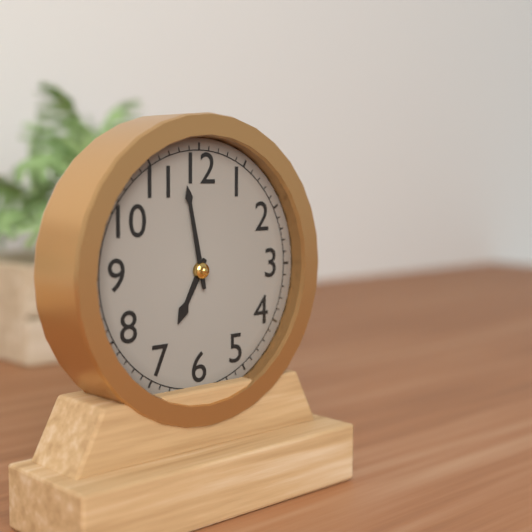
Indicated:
6.58
